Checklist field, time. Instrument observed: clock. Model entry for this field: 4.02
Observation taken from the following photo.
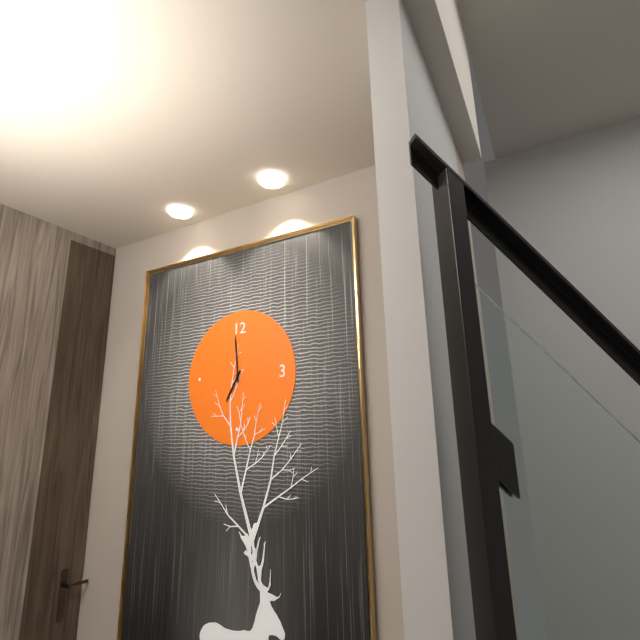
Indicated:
6.59
